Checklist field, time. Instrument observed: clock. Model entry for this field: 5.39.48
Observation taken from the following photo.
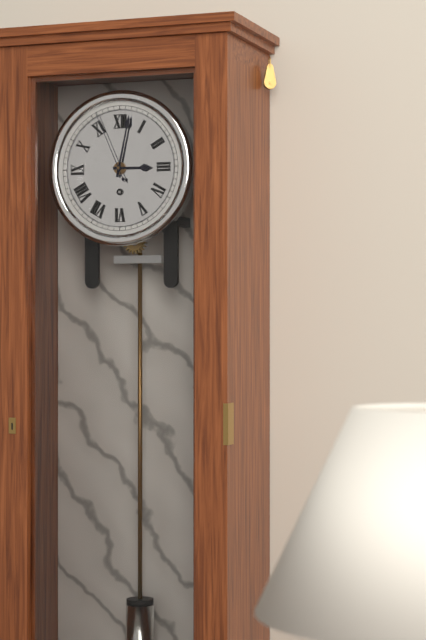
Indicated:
3.02.56
